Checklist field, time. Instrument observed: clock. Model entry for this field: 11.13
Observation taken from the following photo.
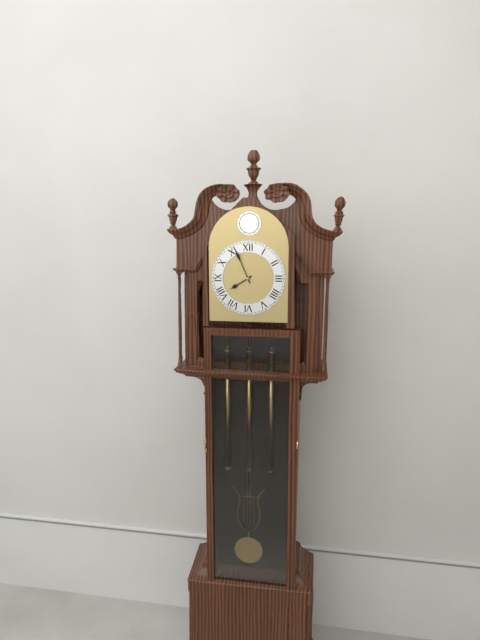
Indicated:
7.56
